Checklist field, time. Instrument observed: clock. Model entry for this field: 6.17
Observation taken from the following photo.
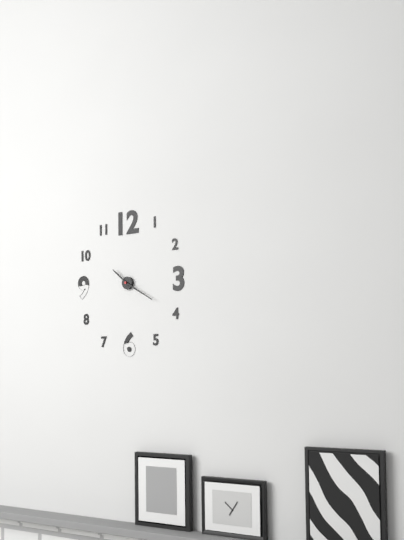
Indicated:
10.20
